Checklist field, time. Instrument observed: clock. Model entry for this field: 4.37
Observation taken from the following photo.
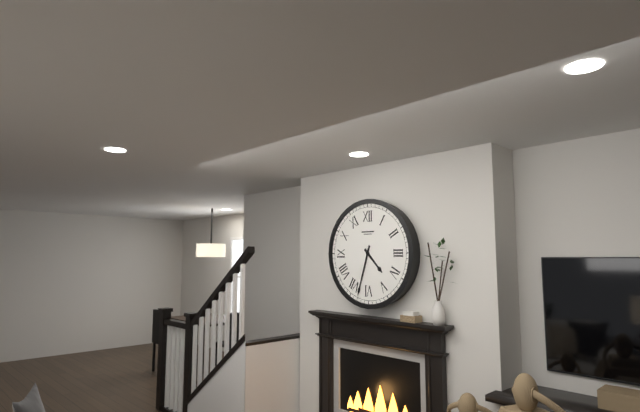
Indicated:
4.33
